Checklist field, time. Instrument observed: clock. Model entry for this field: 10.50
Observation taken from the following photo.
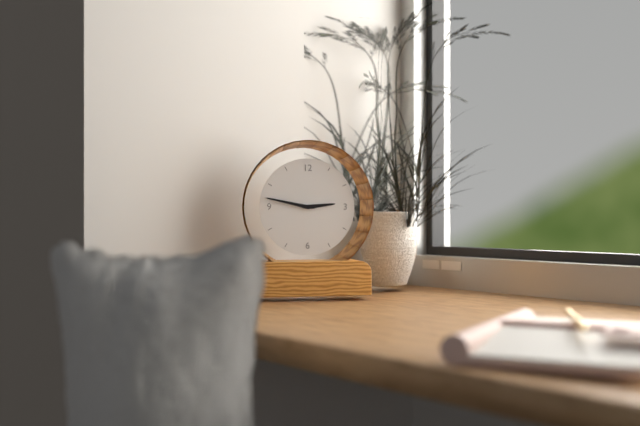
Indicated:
2.47
